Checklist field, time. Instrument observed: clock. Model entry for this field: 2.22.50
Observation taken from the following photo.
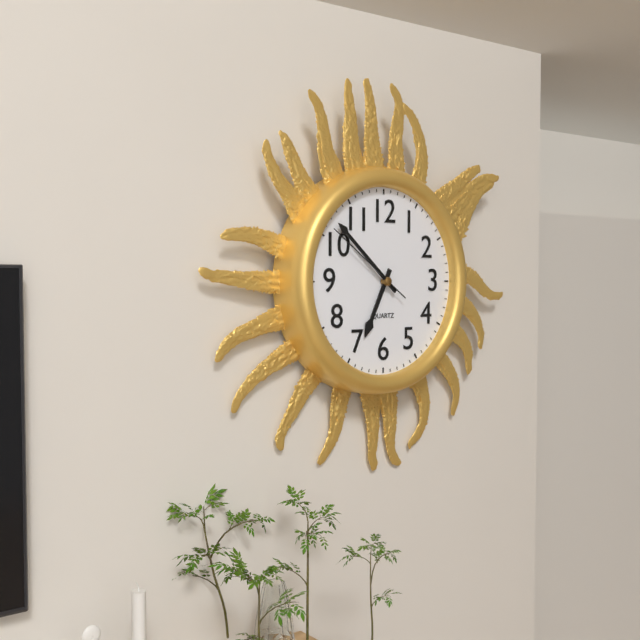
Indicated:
6.52.51
